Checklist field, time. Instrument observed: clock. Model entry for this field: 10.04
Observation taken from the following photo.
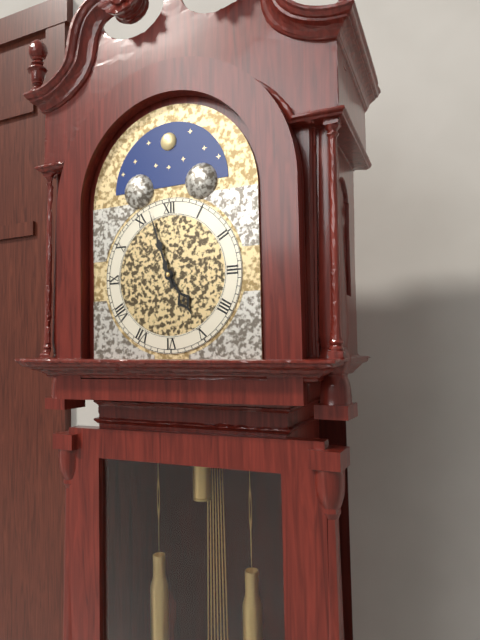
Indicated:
4.57
